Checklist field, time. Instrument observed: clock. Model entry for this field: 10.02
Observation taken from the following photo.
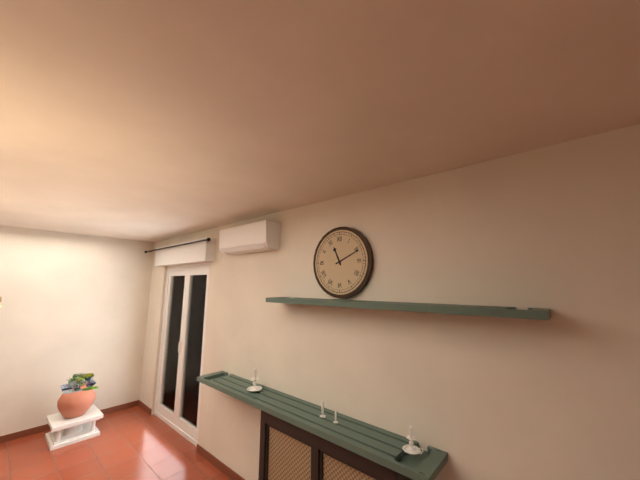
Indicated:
11.11
